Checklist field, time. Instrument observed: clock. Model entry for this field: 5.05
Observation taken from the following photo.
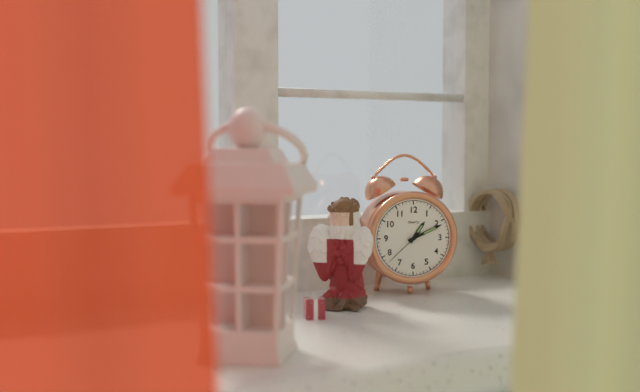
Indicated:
1.11
